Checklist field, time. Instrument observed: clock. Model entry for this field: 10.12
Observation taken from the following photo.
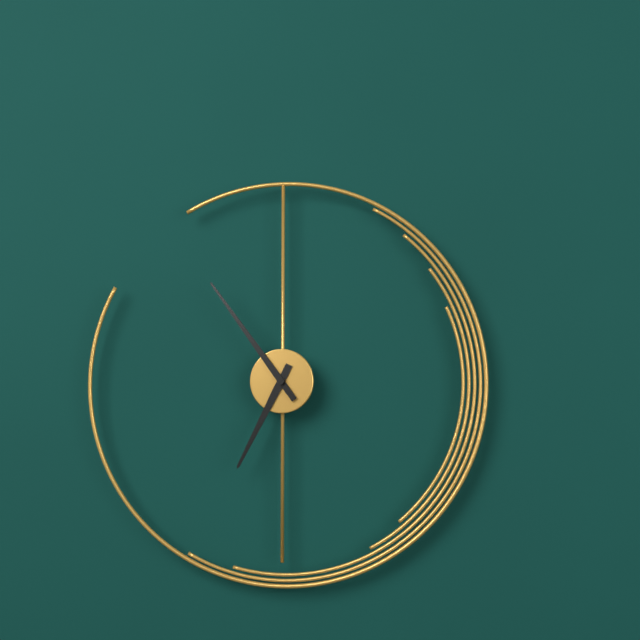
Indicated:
6.54
